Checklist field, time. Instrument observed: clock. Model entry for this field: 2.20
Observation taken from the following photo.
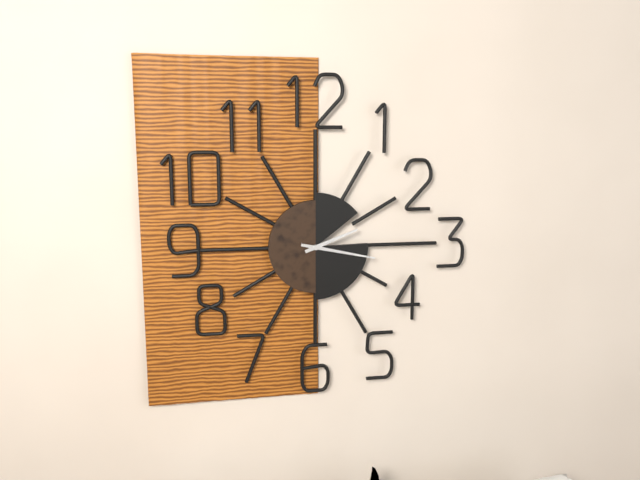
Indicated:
2.17
